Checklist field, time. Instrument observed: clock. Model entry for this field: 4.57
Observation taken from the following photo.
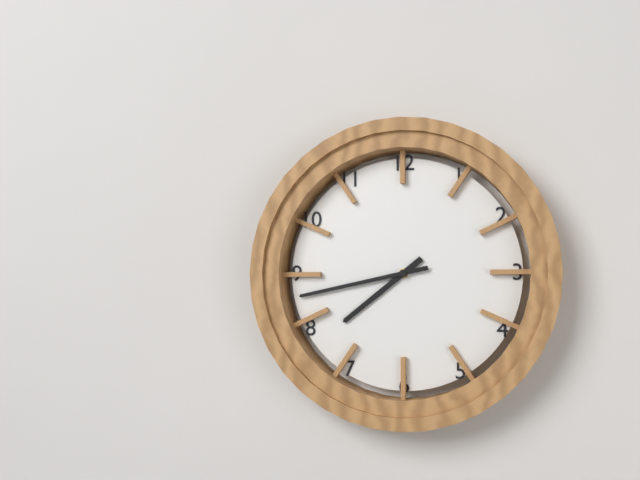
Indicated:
7.43
